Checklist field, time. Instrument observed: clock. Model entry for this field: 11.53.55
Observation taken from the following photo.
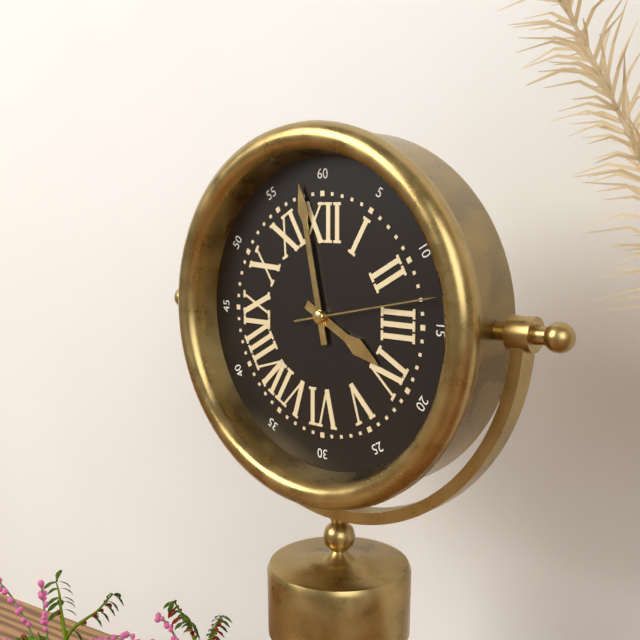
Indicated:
3.58.13
